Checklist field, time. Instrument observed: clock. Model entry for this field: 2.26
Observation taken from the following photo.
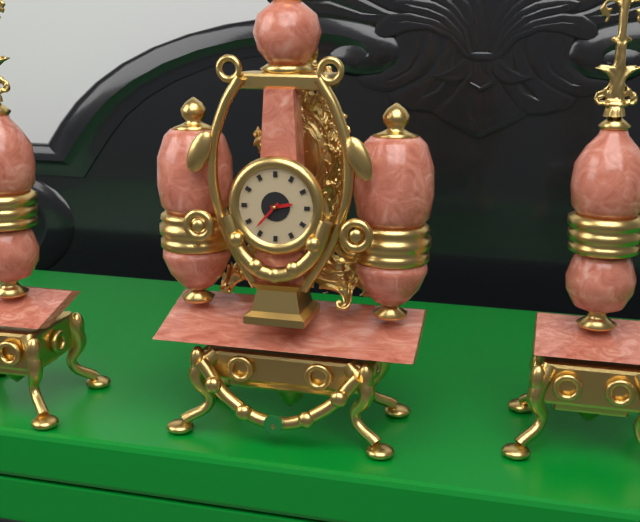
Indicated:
2.37
